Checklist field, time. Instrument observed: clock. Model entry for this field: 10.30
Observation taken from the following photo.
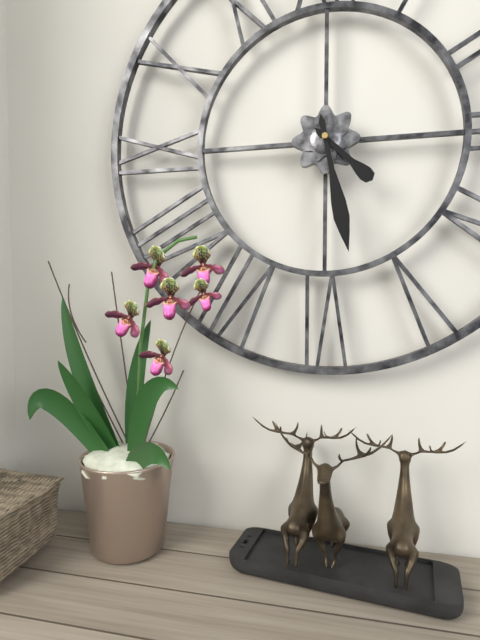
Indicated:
4.28
